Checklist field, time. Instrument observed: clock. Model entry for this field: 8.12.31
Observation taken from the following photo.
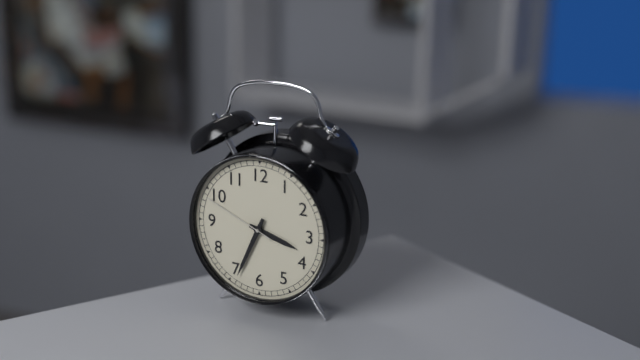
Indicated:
3.34.49
